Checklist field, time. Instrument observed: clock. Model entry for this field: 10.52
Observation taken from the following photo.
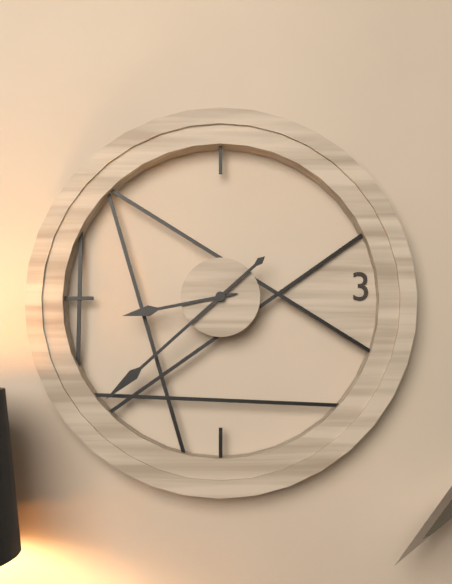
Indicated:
8.38
